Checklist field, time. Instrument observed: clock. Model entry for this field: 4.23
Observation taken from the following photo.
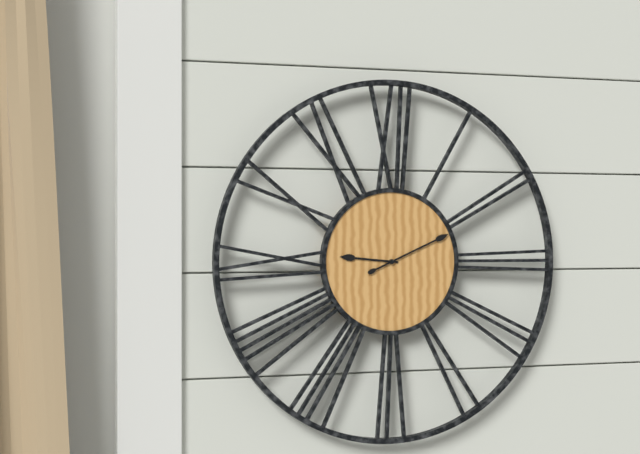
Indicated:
9.11
